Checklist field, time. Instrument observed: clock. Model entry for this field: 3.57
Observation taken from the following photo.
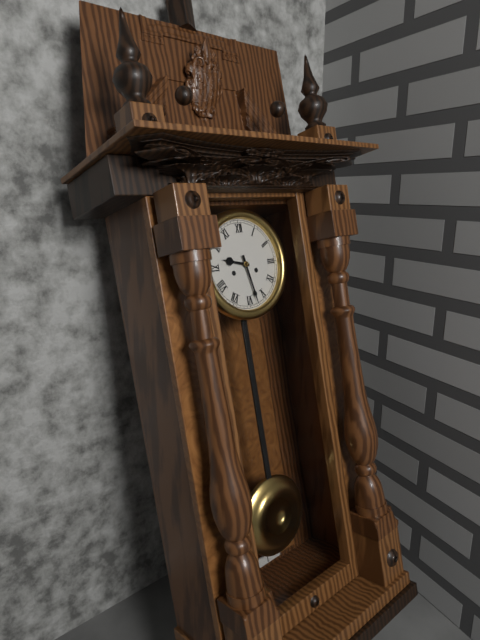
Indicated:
9.28
